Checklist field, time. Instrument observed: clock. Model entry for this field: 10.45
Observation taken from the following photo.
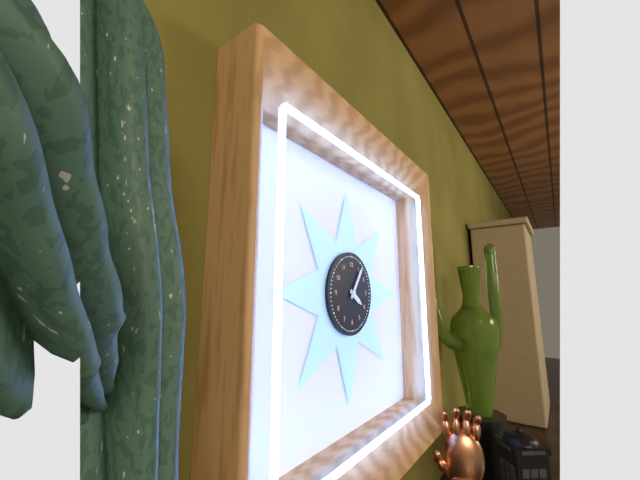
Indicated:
4.06
